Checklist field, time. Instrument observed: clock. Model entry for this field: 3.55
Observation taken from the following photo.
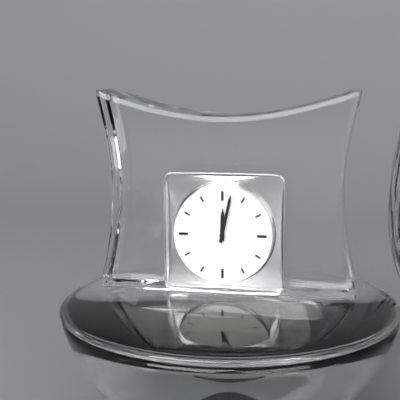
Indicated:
12.02
